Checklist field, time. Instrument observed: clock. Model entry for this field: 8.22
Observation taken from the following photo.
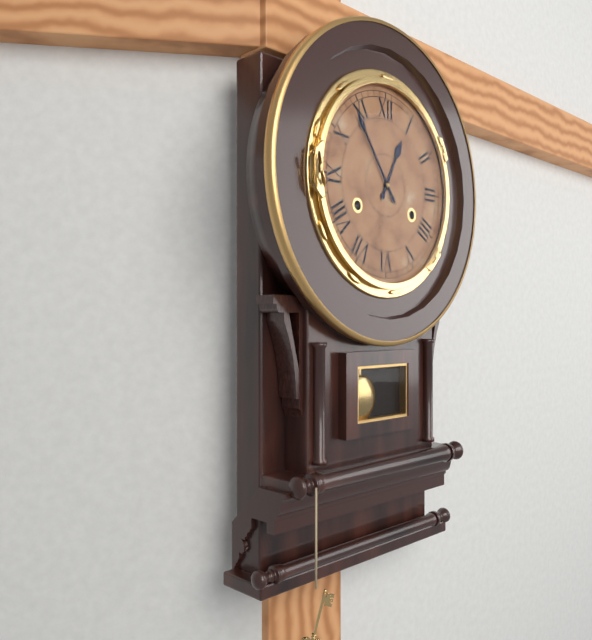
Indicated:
12.54
